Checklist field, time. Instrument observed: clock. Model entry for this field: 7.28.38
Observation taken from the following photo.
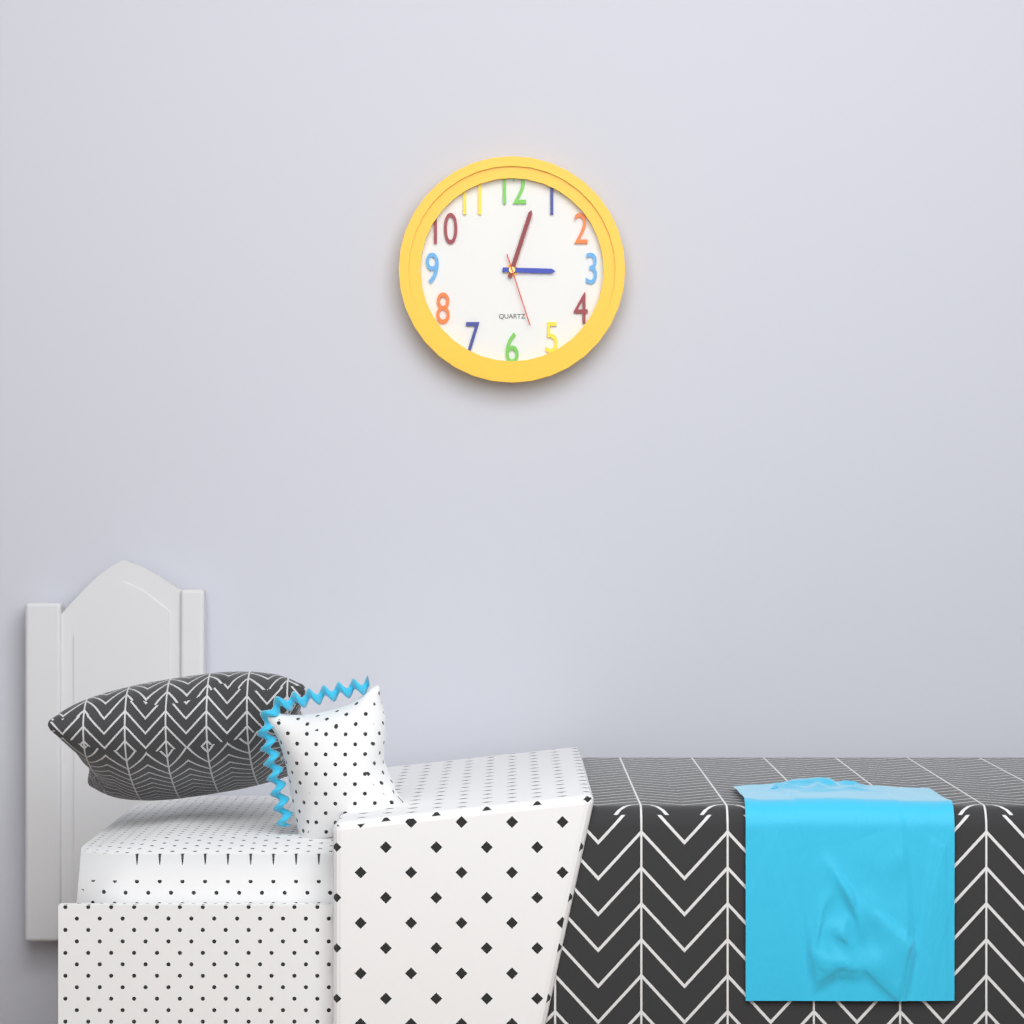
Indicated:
3.03.27
